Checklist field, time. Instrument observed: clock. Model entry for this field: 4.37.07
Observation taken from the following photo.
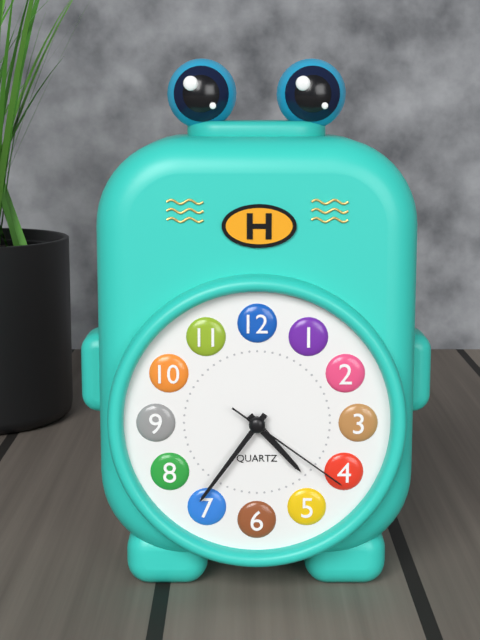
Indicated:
4.36.21
